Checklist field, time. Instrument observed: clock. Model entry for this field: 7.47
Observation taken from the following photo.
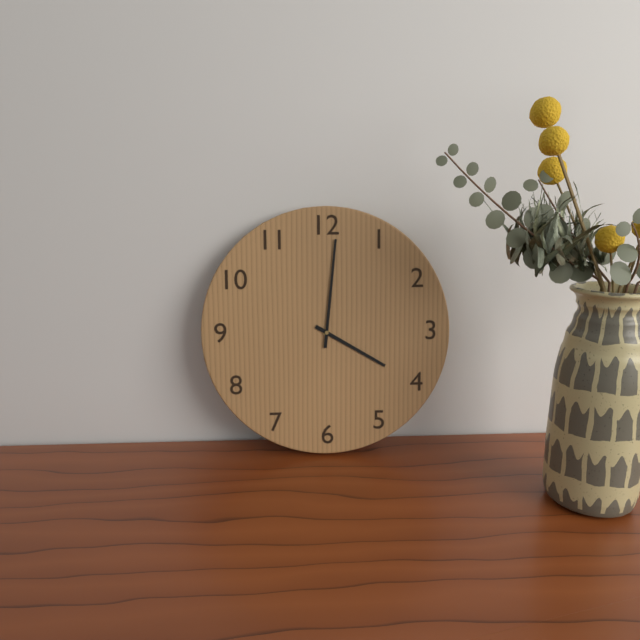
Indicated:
4.01
